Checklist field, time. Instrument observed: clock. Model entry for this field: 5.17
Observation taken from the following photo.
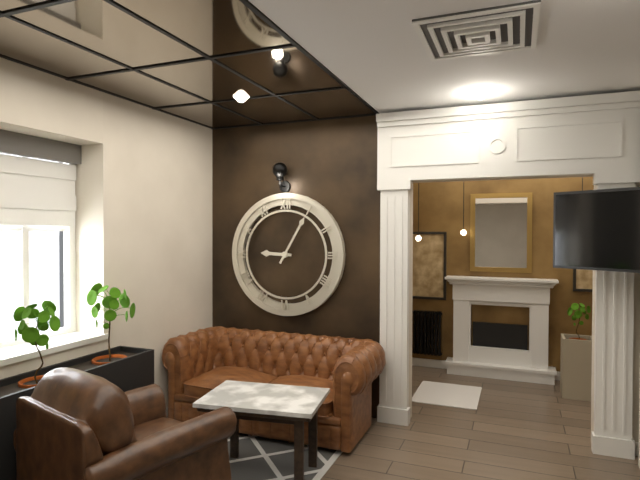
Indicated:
9.05
